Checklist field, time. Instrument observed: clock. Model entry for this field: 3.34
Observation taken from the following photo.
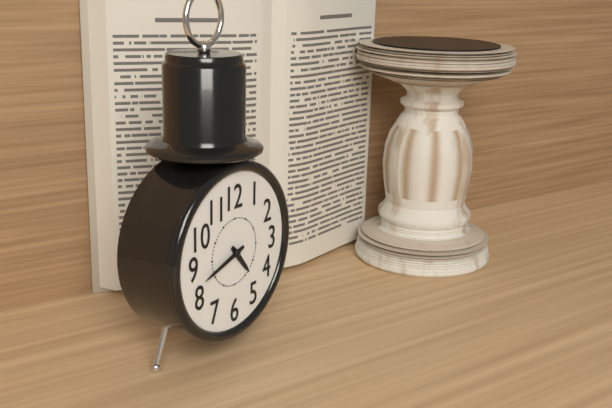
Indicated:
4.42
